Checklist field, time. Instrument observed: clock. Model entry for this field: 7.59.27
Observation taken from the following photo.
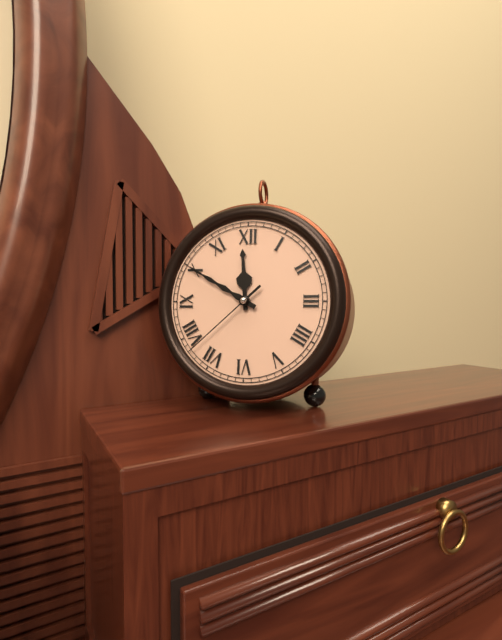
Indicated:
11.50.38
